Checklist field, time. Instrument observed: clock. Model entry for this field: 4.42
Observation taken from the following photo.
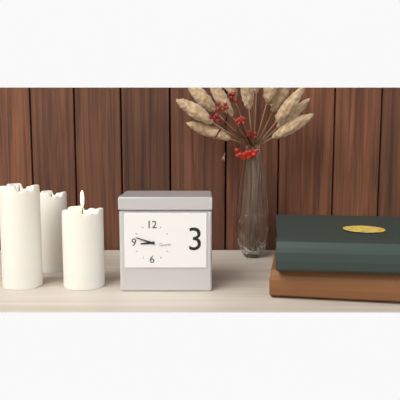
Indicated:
8.48
